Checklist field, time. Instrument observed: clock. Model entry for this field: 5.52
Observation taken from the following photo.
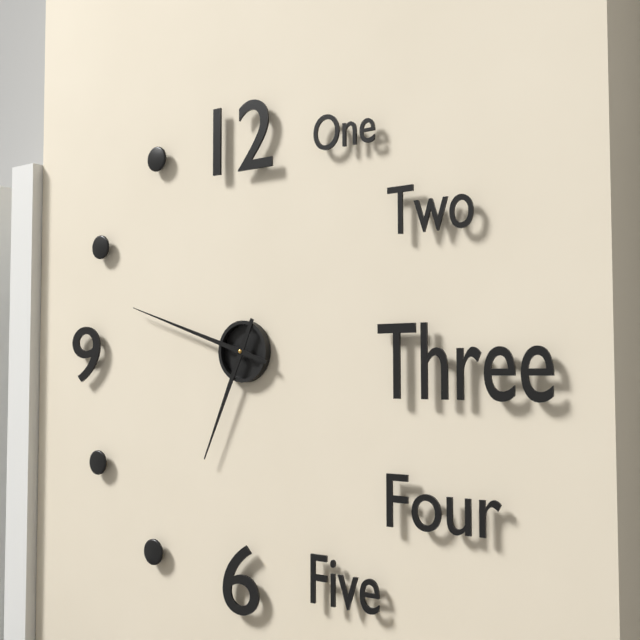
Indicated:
6.48
